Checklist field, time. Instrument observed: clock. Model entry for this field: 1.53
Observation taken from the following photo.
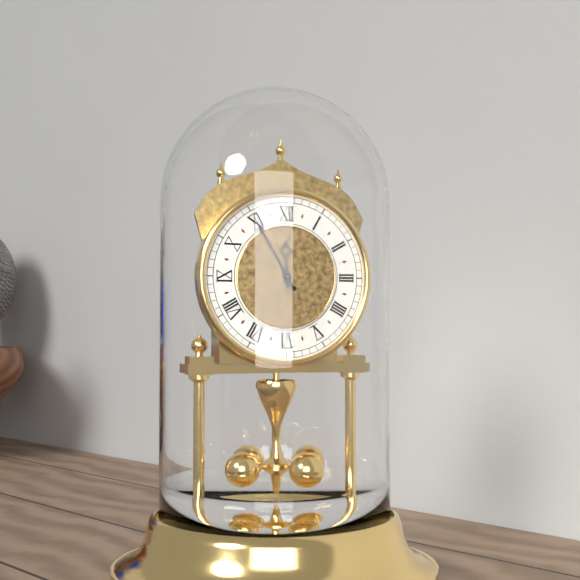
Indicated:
11.55
